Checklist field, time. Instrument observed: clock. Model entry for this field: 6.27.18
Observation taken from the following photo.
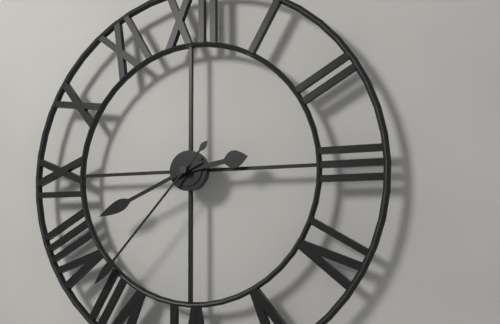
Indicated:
2.41.37
